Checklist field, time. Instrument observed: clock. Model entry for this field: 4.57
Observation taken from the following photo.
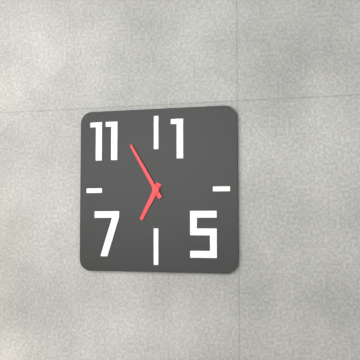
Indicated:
6.55
